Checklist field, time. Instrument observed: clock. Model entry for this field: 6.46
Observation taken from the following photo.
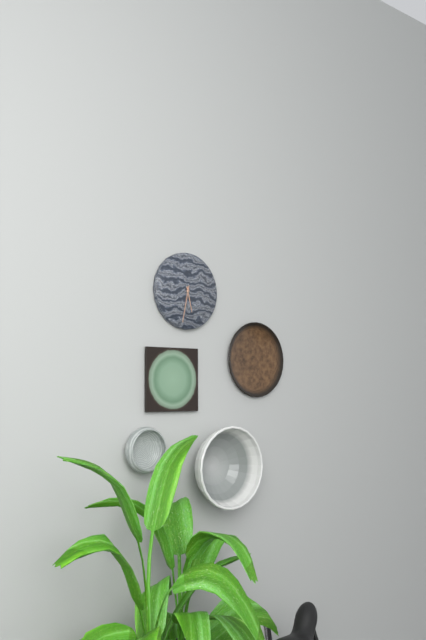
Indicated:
5.32
